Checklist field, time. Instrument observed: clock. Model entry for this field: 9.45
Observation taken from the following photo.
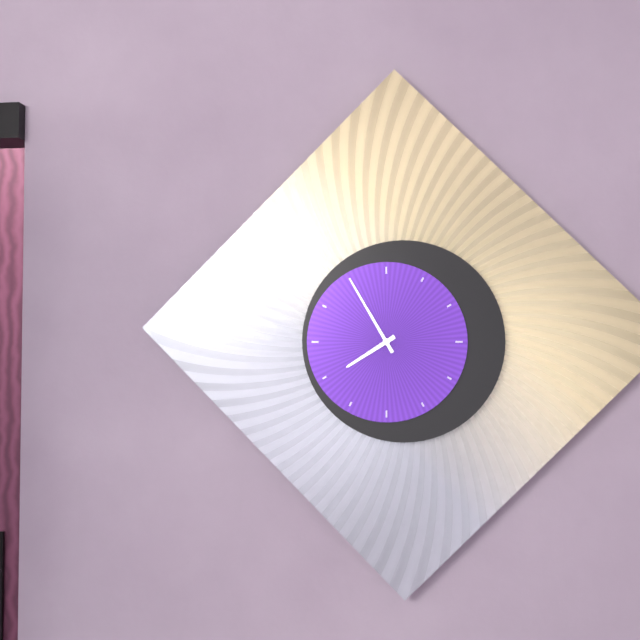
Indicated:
7.55
